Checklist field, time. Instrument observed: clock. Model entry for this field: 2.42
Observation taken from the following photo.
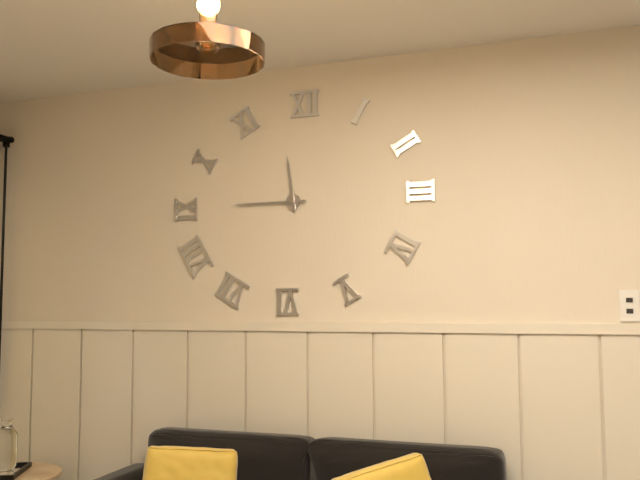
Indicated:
11.45
